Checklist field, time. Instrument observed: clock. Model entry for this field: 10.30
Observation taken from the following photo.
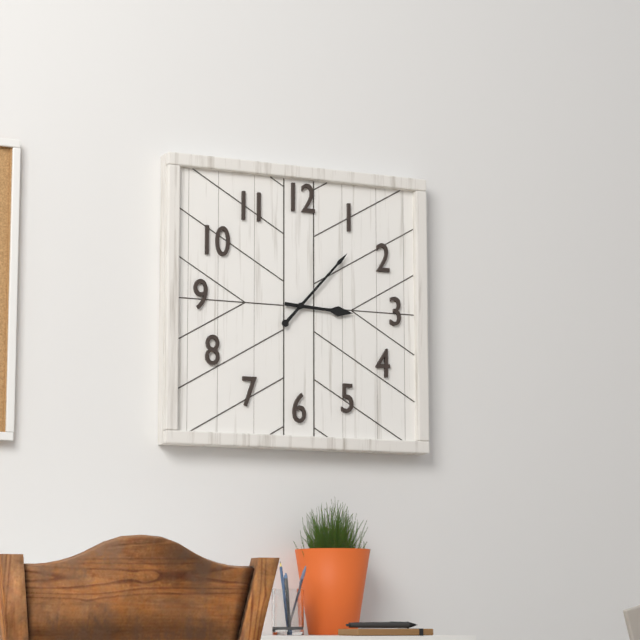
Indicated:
3.07
